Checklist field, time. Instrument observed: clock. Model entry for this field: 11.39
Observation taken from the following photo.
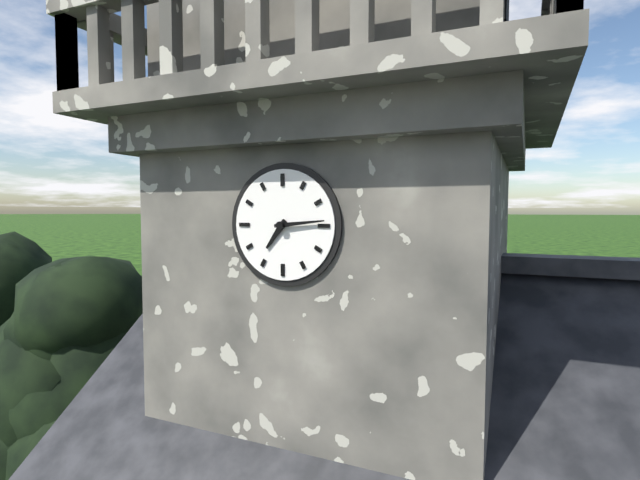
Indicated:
7.14
